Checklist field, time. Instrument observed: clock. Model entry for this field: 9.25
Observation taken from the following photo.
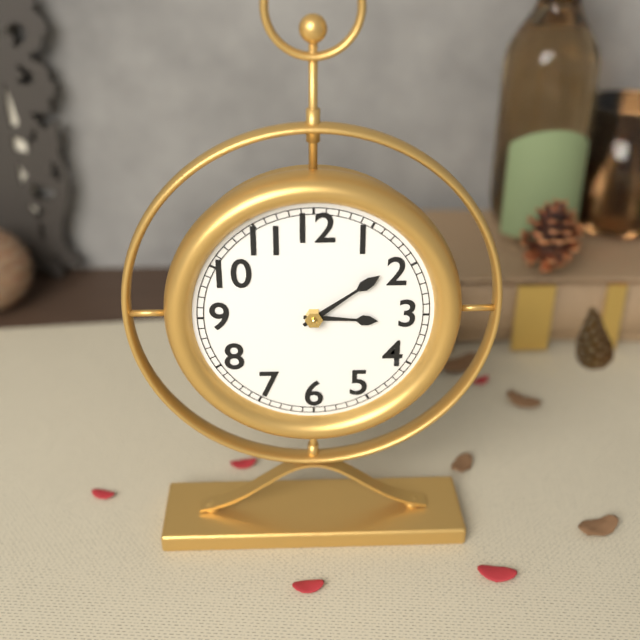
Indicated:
3.09
